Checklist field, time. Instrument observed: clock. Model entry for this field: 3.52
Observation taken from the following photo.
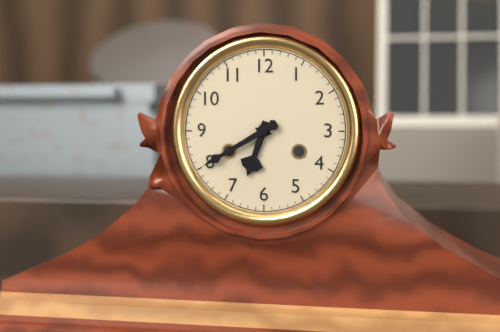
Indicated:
6.40
